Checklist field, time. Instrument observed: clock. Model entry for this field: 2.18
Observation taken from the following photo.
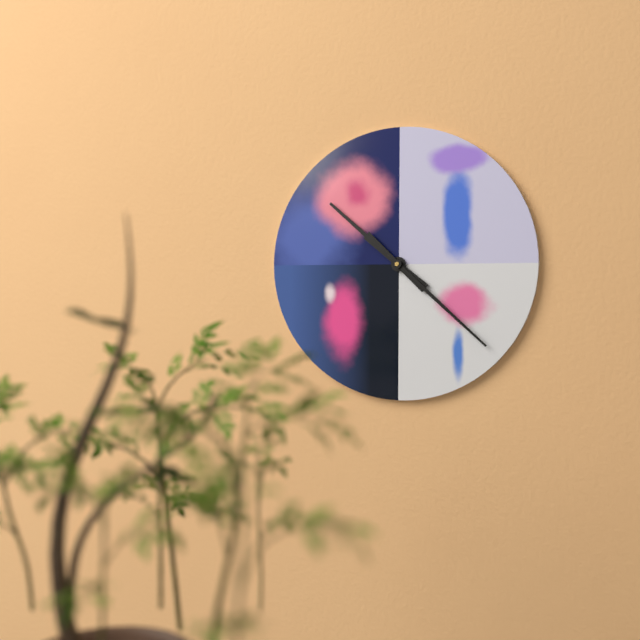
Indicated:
10.22
